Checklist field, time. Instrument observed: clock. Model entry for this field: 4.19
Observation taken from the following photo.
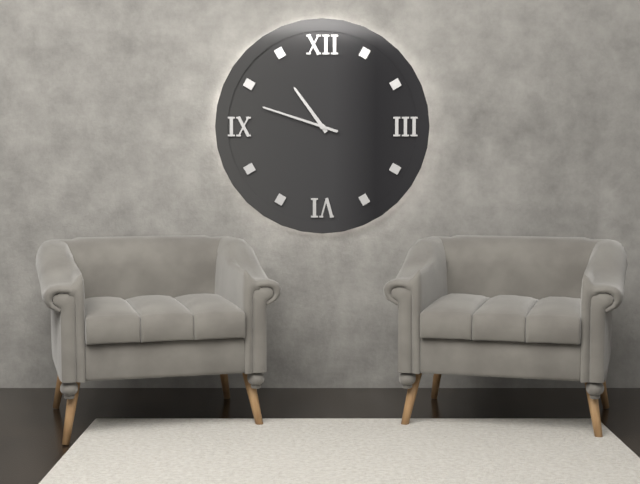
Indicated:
10.48
